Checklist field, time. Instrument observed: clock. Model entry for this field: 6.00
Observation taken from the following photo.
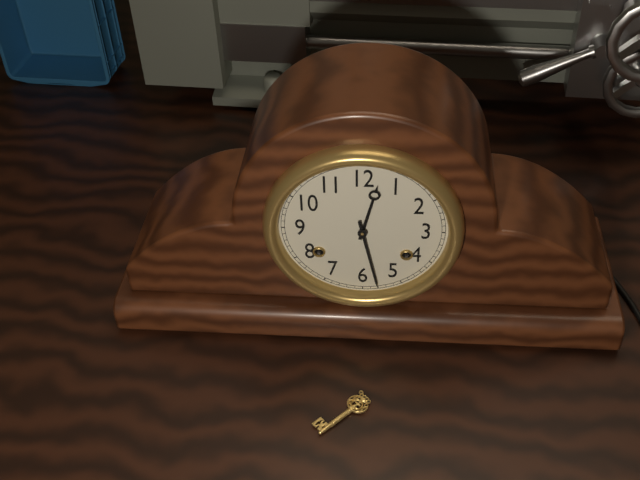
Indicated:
12.28
